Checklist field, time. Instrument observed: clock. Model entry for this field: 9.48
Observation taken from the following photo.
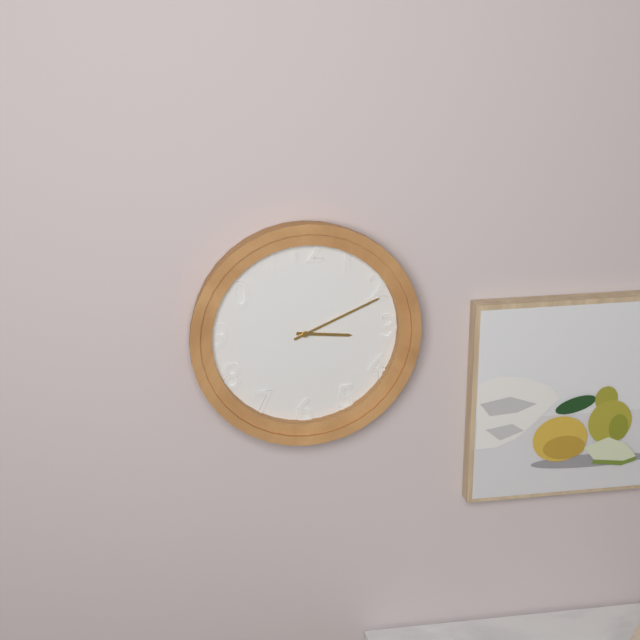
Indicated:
3.11
